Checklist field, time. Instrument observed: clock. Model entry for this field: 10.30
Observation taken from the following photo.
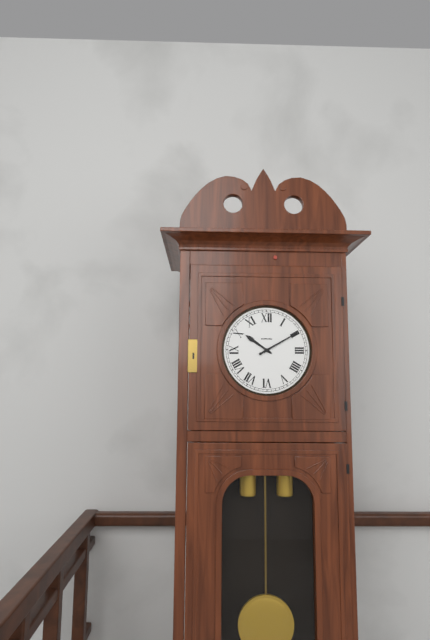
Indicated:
10.10
